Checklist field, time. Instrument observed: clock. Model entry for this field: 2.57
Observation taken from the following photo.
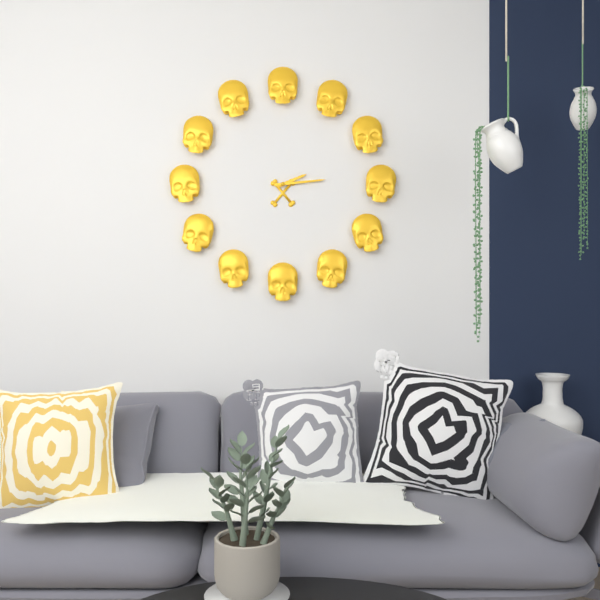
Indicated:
2.14
